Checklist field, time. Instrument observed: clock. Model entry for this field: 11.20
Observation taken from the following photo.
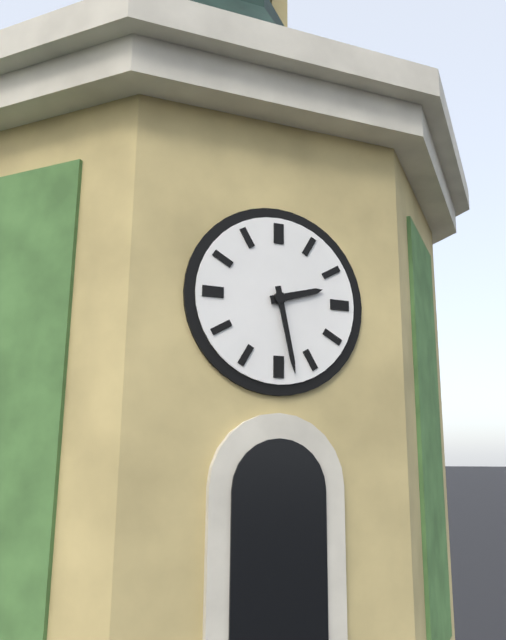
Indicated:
2.28
